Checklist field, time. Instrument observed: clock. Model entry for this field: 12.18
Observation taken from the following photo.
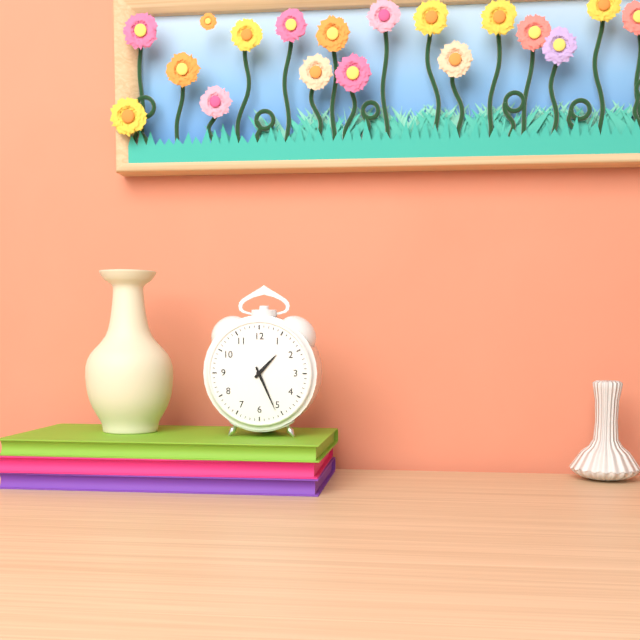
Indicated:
1.26
